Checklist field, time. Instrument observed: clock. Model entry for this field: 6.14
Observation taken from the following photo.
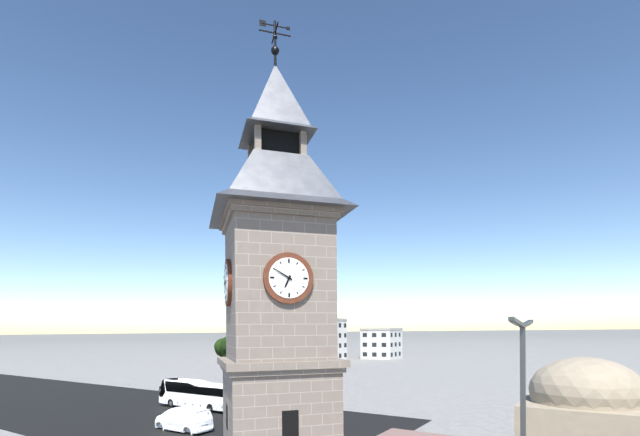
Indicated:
6.50
